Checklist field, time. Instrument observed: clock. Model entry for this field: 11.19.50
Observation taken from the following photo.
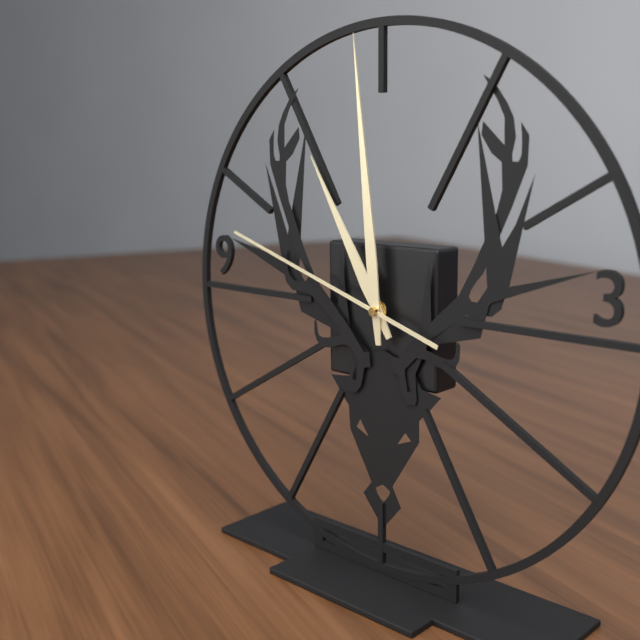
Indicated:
10.59.48
